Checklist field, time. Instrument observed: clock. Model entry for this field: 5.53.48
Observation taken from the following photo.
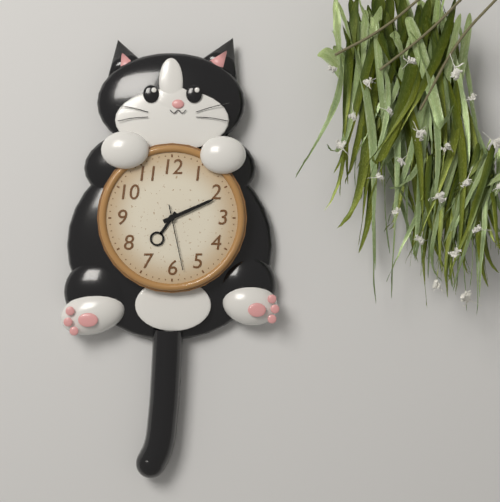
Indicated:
7.11.28
